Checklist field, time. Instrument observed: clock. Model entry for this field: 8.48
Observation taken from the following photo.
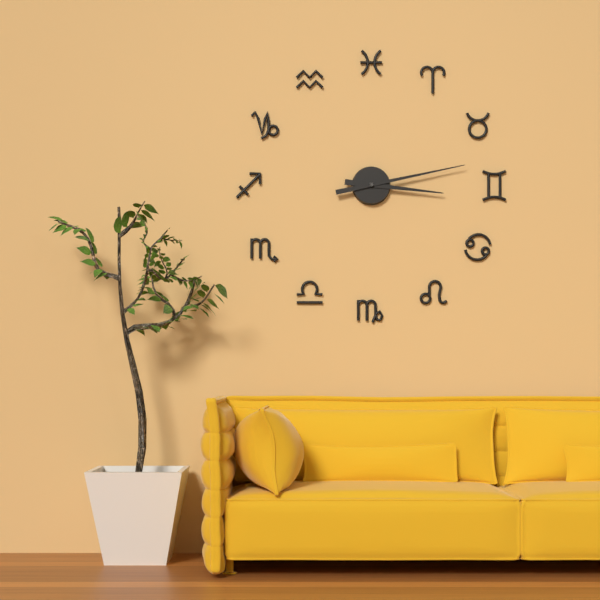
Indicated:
3.13
